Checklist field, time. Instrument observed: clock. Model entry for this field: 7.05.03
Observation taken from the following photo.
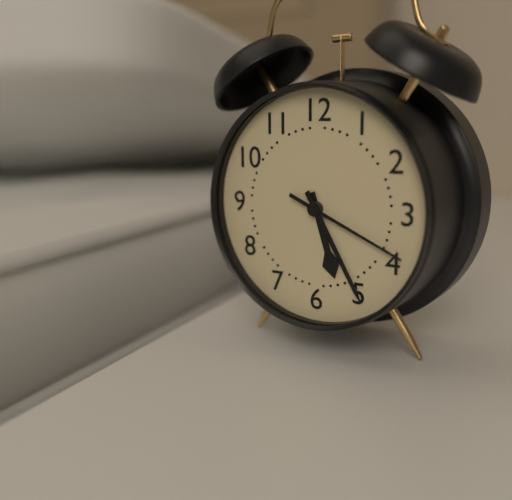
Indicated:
5.25.19
